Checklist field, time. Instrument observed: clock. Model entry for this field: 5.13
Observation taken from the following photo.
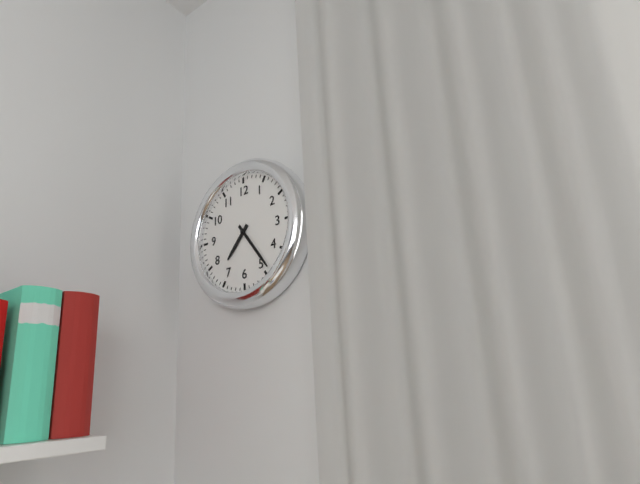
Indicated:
7.24
